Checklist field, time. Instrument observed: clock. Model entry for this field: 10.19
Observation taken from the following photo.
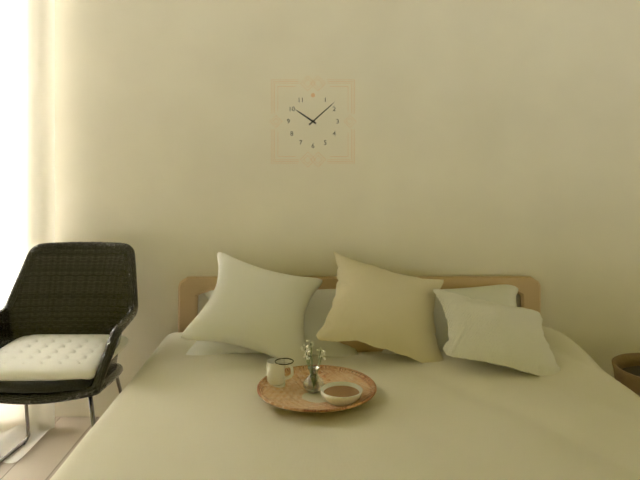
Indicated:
10.08
